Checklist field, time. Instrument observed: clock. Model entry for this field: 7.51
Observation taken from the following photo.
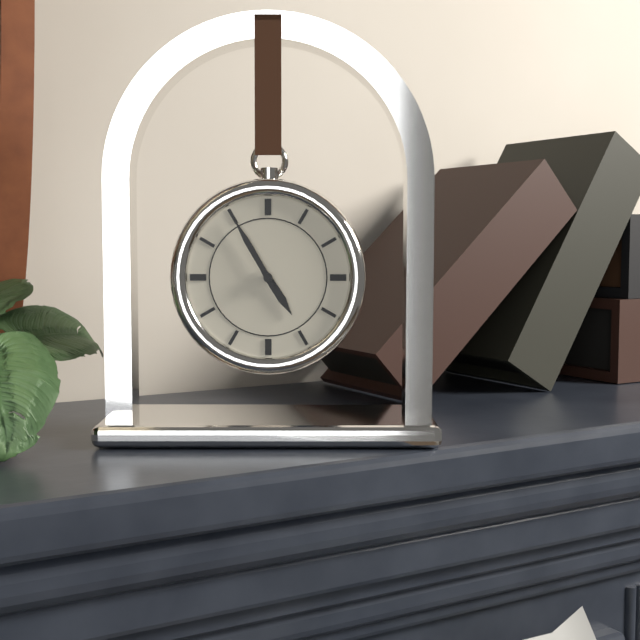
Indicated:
4.55
